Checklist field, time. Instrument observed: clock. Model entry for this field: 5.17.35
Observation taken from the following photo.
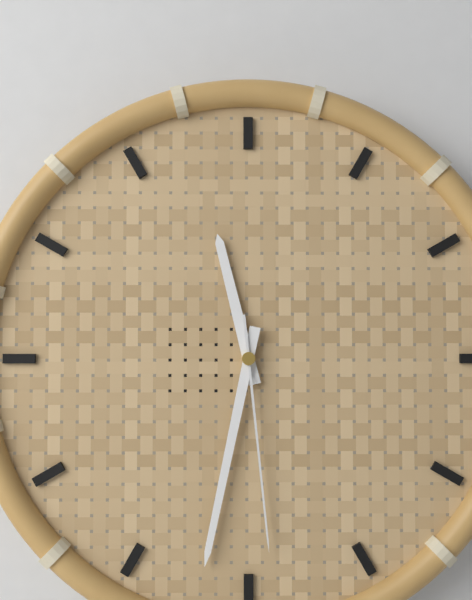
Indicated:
11.32.29
